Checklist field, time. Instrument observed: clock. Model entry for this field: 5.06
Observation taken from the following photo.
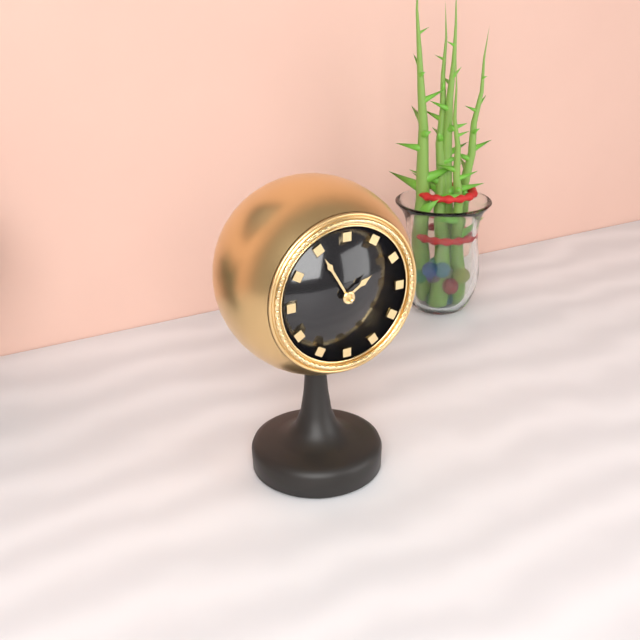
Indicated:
1.55
